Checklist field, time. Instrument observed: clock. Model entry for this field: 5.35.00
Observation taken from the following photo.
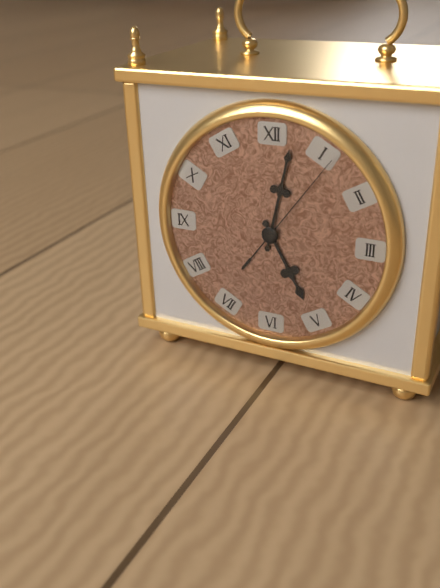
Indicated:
5.02.06
